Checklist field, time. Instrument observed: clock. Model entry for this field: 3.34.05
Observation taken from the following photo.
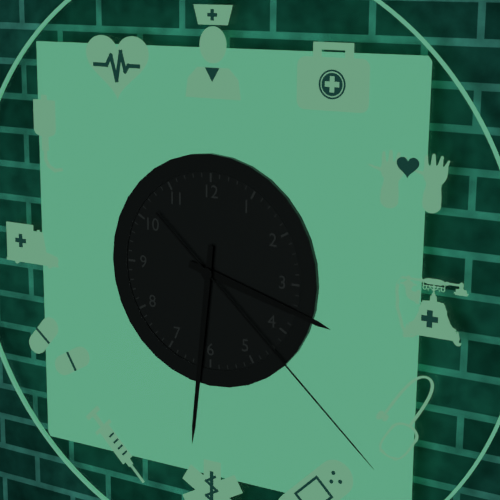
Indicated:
3.31.22
